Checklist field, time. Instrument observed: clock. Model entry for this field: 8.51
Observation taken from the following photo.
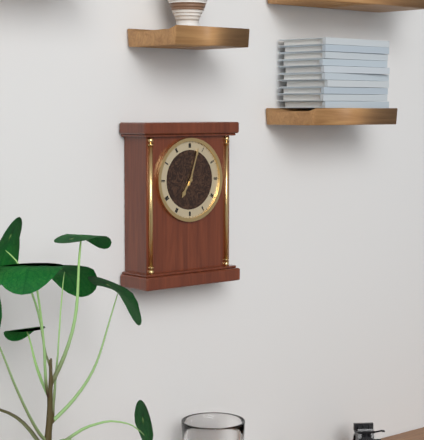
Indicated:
7.03
